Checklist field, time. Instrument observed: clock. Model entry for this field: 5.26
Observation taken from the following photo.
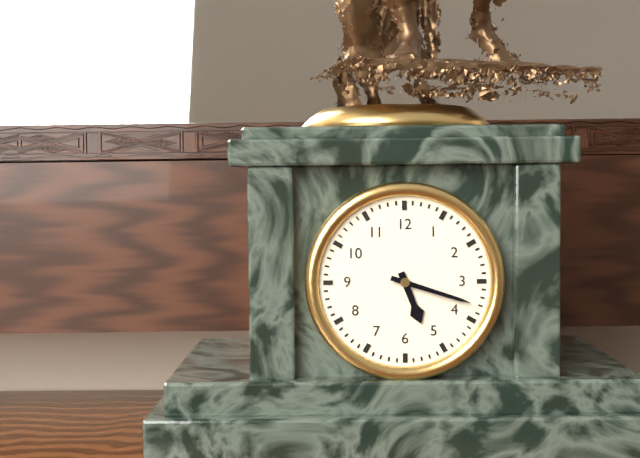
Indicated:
5.18
